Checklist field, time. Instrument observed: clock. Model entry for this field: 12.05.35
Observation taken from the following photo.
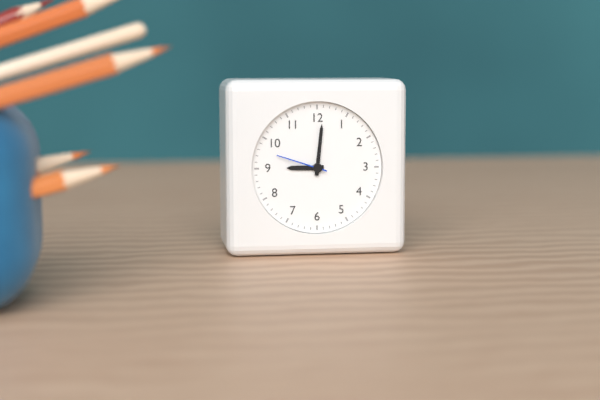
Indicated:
9.01.48
